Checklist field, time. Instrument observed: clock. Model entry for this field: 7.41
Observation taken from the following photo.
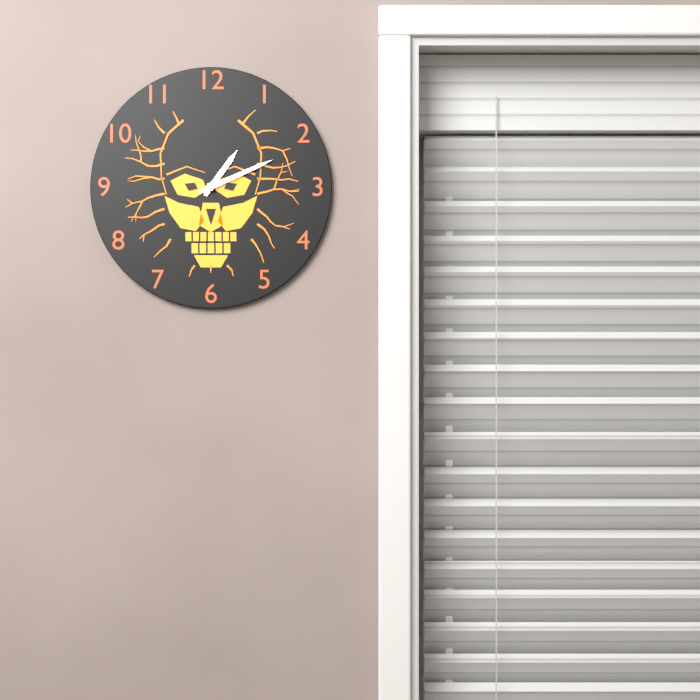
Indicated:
1.11
